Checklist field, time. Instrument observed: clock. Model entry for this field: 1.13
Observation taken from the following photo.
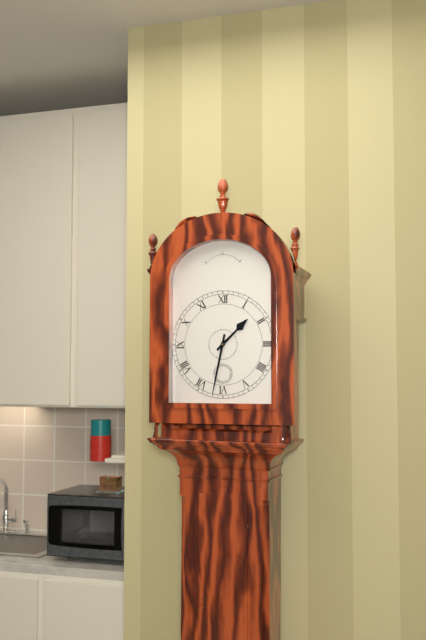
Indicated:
1.32
